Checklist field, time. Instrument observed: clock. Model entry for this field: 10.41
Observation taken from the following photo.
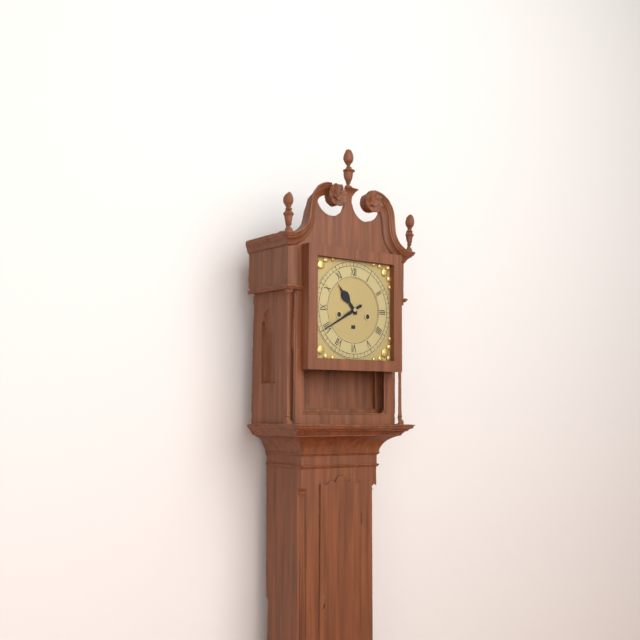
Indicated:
10.40
